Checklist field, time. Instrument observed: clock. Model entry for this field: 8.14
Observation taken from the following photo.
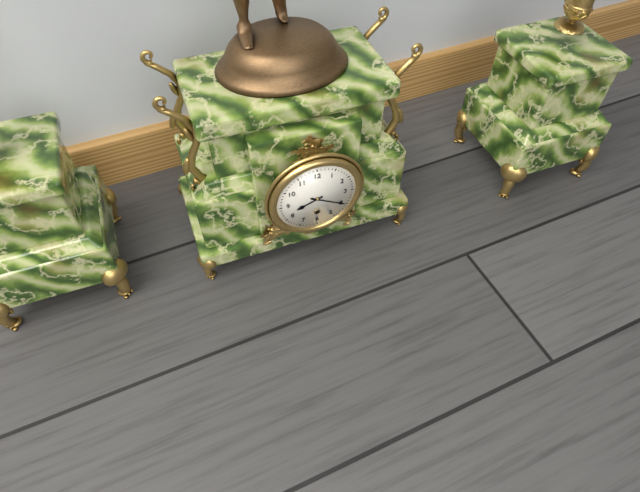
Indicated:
8.20
